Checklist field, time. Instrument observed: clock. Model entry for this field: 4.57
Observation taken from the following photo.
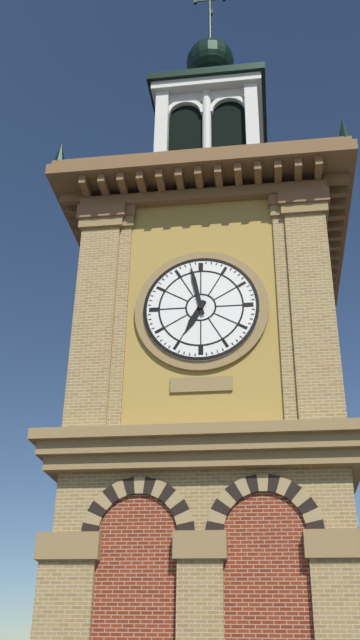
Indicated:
6.58
